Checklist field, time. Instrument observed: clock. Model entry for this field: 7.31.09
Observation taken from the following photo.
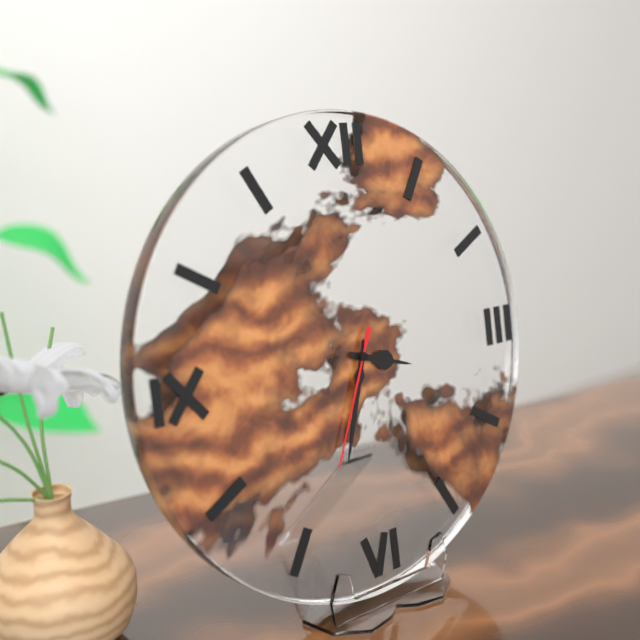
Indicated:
3.33.34
